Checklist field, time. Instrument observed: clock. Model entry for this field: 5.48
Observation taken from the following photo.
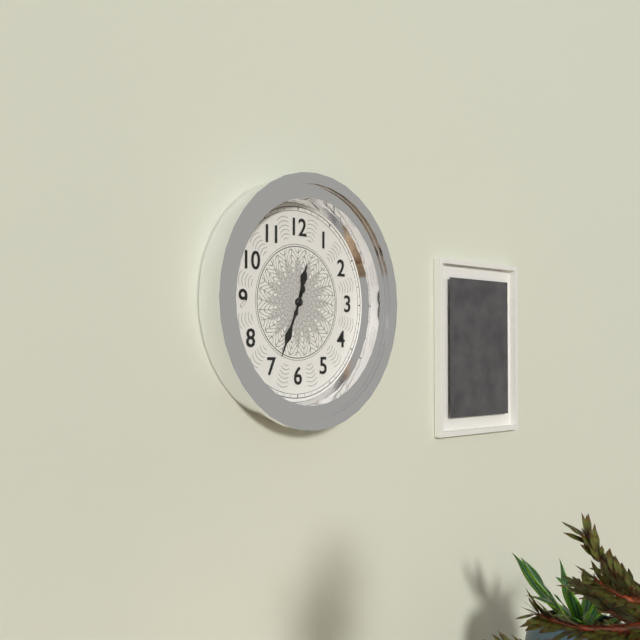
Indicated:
12.34
